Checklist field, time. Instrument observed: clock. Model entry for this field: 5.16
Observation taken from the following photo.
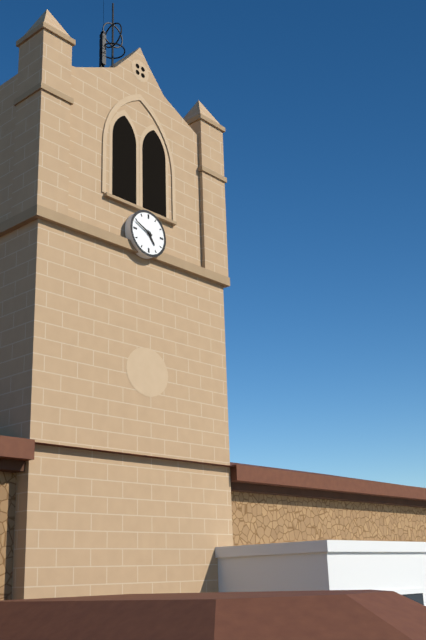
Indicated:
4.49
